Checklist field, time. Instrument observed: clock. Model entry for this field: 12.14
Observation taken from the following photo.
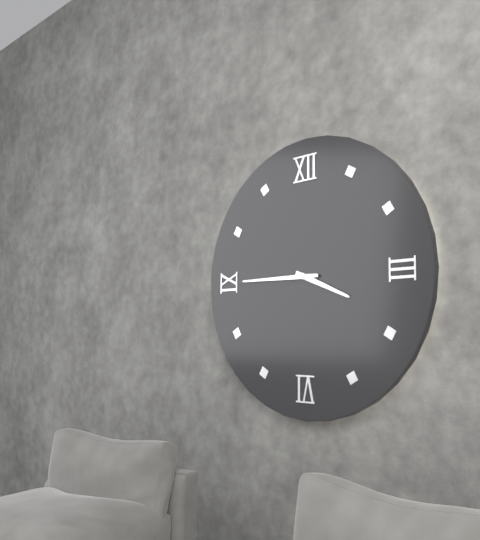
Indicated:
3.45
